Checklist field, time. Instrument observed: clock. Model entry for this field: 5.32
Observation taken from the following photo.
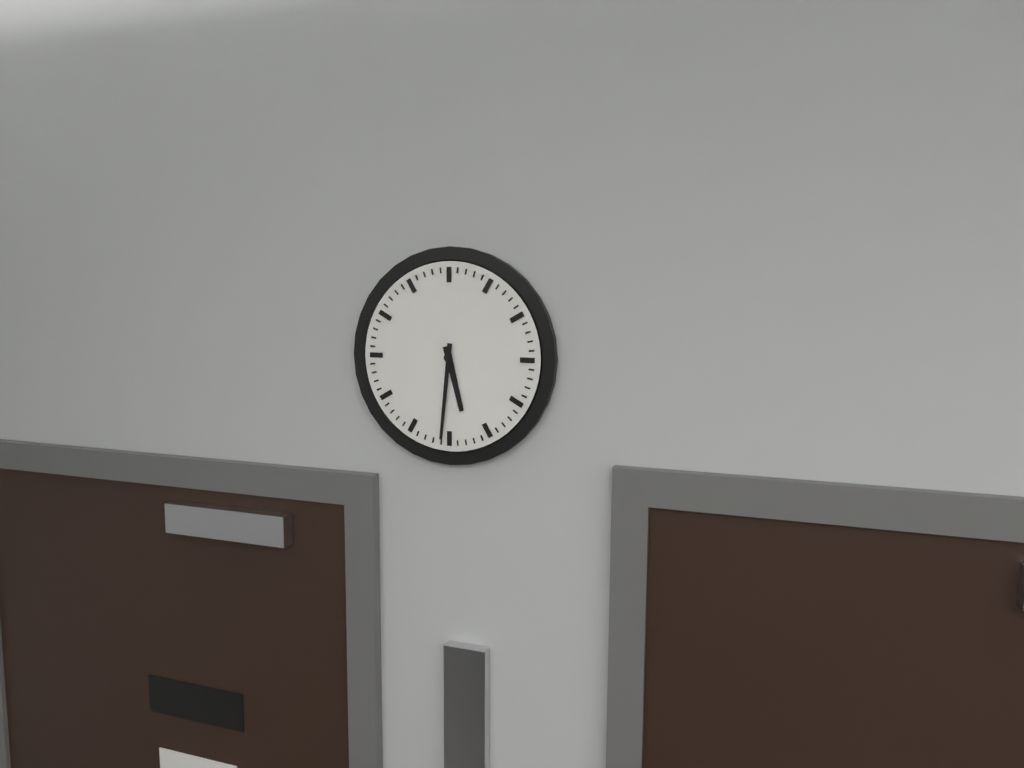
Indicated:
5.31
